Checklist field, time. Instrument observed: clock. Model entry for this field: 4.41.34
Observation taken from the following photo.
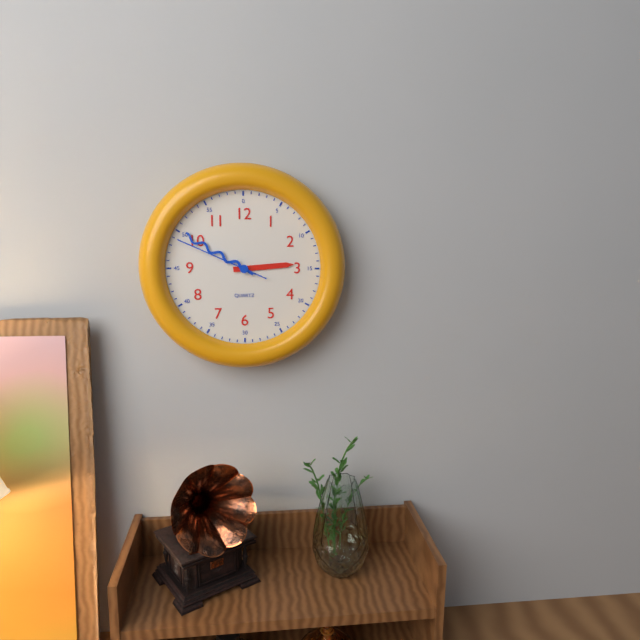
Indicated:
2.50.49
